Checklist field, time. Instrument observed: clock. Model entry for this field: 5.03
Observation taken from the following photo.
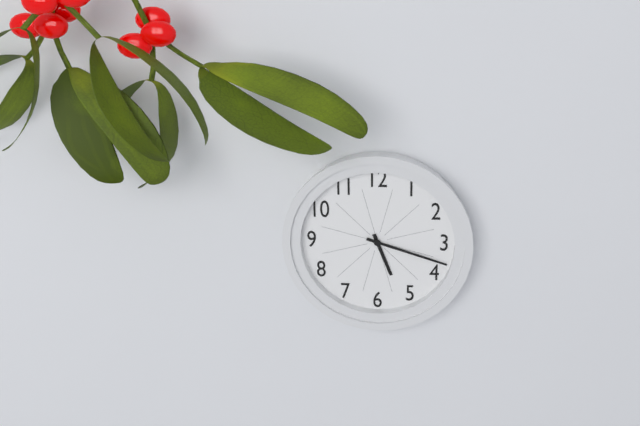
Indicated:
5.18
